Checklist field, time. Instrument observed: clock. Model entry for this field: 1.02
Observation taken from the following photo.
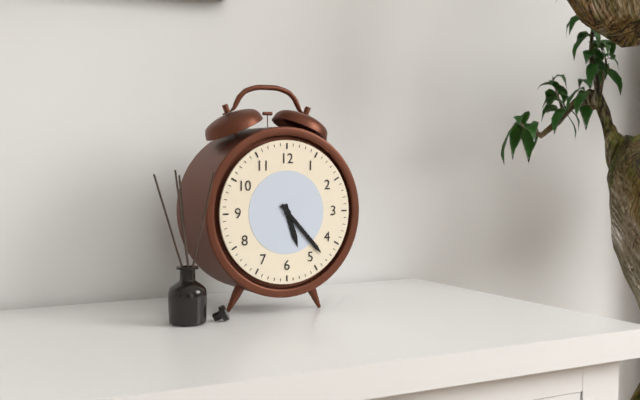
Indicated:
5.23
